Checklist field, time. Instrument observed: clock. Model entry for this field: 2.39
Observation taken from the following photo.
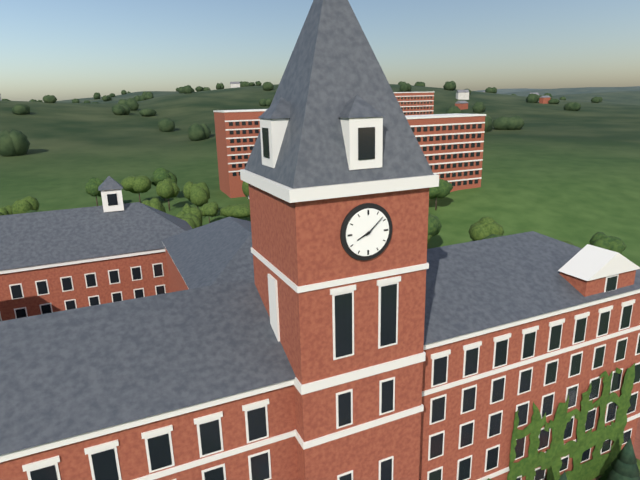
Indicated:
8.08
